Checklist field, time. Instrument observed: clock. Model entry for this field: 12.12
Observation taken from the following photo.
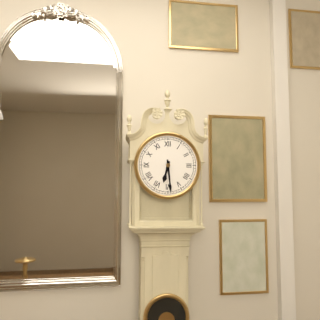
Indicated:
6.29
